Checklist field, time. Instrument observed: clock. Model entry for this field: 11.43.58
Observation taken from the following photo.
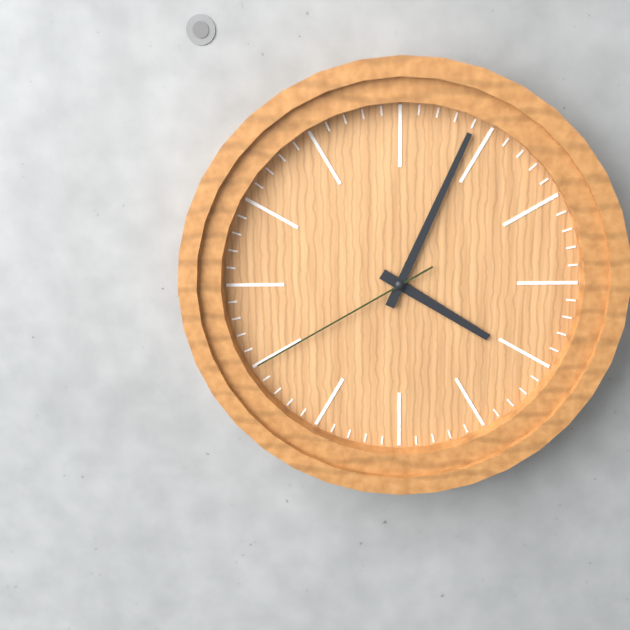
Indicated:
4.04.40
